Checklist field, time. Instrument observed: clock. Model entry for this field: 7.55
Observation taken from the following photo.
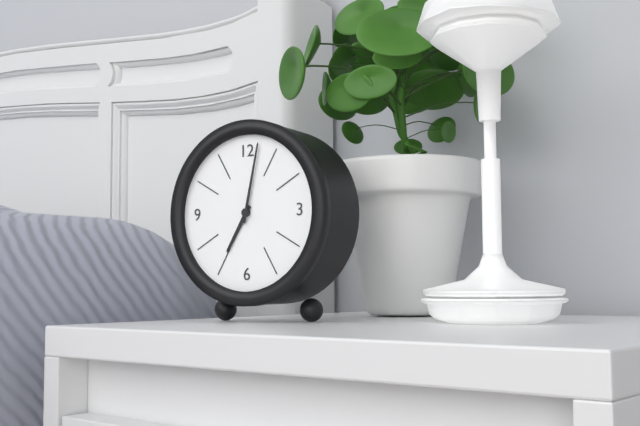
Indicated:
7.02
